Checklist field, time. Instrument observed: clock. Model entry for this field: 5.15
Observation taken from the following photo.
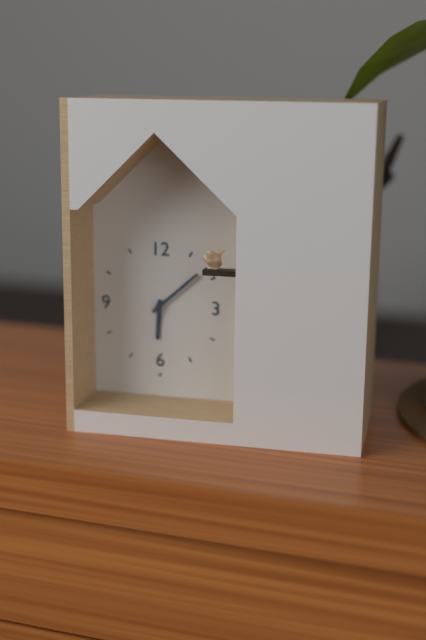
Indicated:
6.08
